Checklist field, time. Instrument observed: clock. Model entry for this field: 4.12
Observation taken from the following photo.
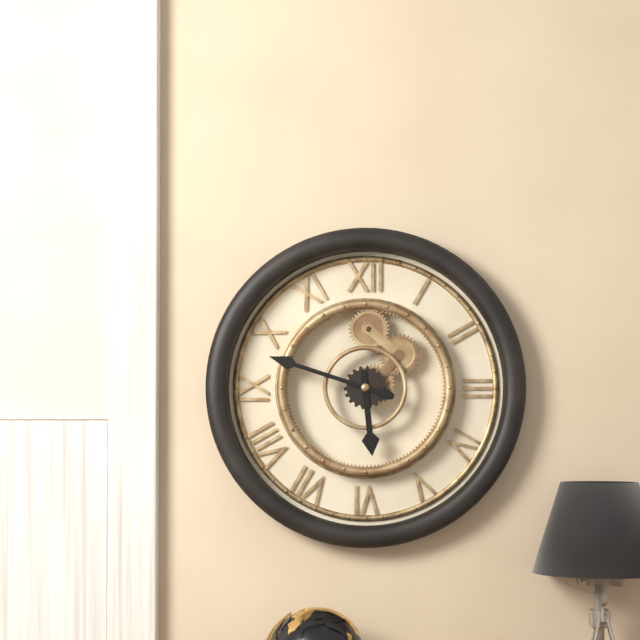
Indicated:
5.48
